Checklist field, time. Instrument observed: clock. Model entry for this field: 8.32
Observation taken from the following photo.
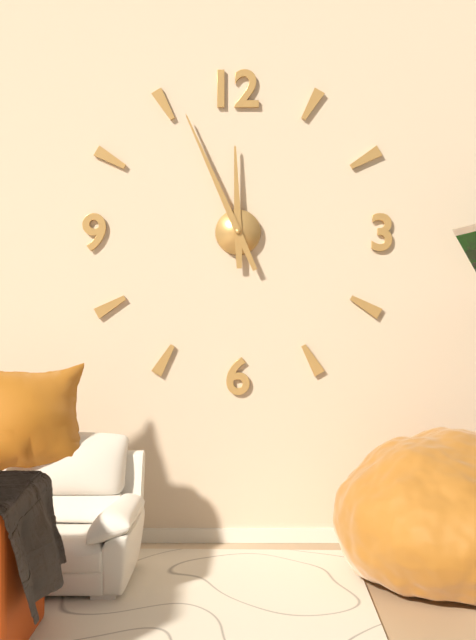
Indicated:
11.56
